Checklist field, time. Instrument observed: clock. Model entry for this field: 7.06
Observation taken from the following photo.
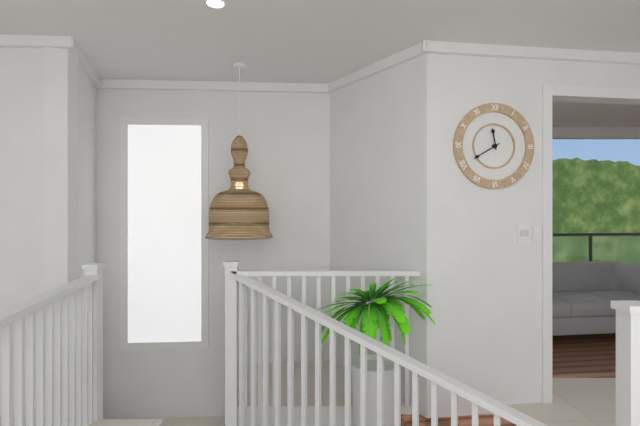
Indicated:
11.40
